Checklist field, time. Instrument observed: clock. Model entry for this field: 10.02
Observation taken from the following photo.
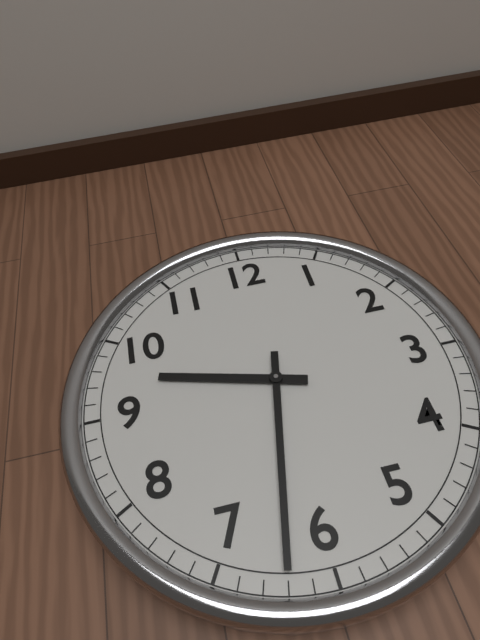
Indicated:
9.32
